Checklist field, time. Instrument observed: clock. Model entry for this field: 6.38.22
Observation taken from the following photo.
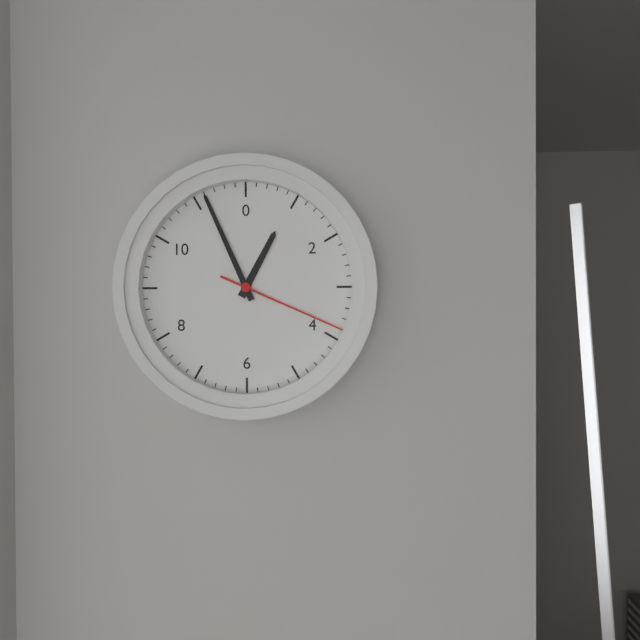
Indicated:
12.56.19
